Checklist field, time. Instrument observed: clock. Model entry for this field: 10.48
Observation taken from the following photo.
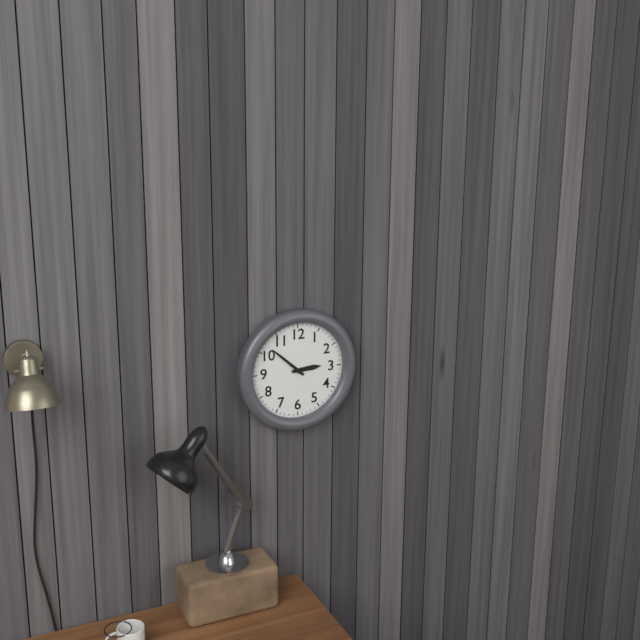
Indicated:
2.52
